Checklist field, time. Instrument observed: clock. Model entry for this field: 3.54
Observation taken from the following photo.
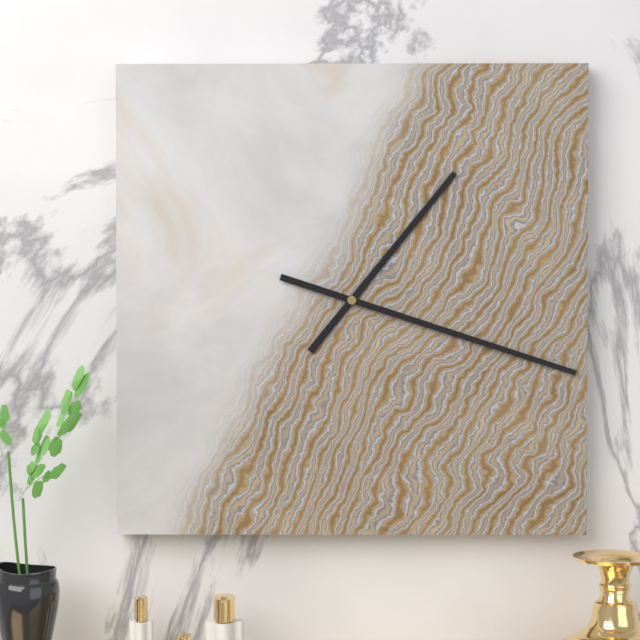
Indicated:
1.18
